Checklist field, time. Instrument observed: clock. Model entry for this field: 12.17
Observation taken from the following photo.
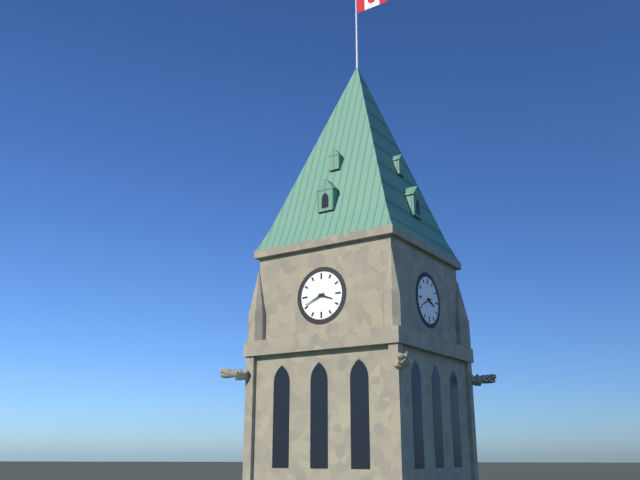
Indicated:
3.41
